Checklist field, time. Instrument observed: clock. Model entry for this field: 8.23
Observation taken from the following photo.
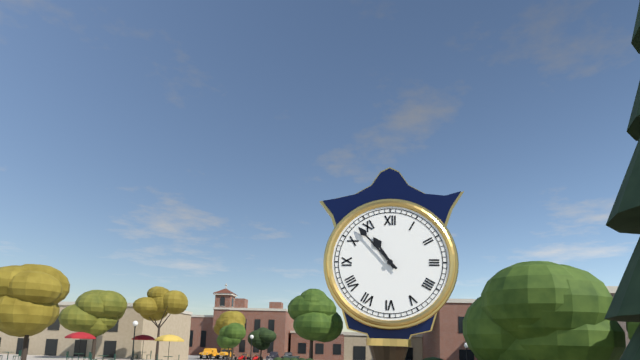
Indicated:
10.53
